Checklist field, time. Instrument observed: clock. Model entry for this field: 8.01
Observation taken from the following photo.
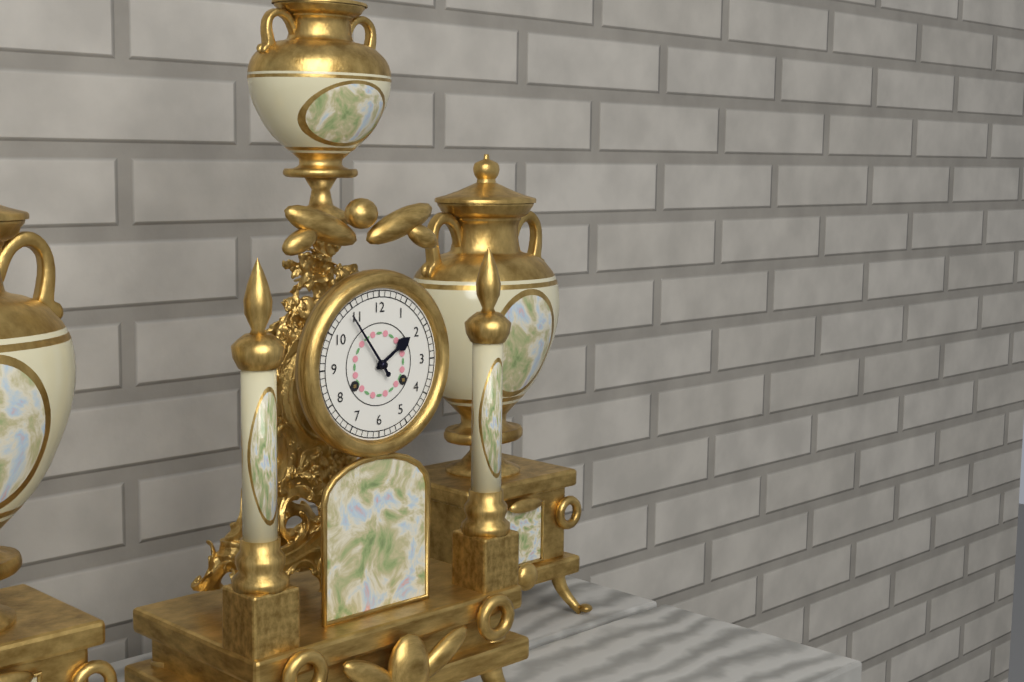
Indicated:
1.54
